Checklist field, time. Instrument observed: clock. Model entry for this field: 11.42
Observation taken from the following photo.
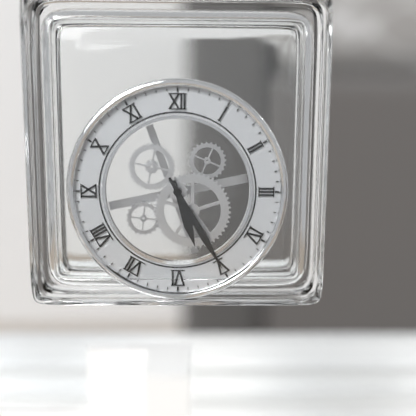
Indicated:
5.25
